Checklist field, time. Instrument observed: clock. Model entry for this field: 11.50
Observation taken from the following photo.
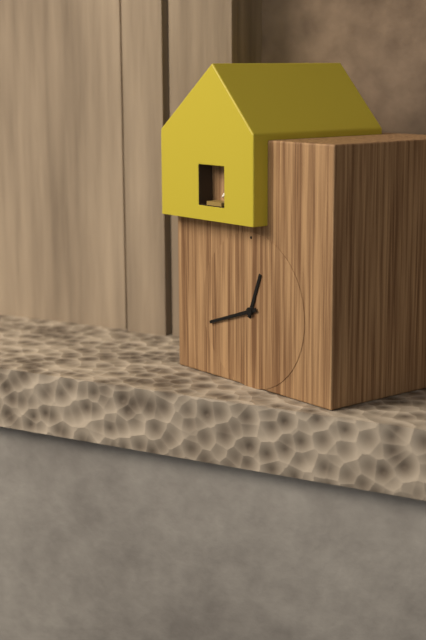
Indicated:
12.42
